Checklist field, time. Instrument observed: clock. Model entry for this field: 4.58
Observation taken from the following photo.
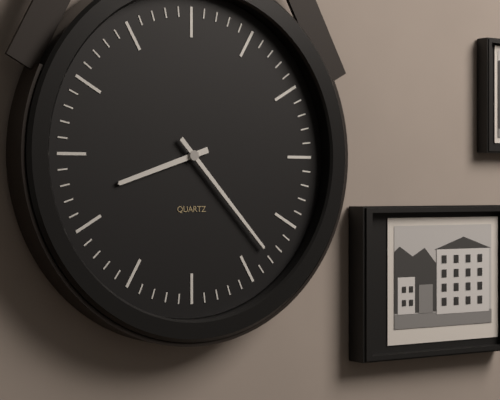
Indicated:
8.23
